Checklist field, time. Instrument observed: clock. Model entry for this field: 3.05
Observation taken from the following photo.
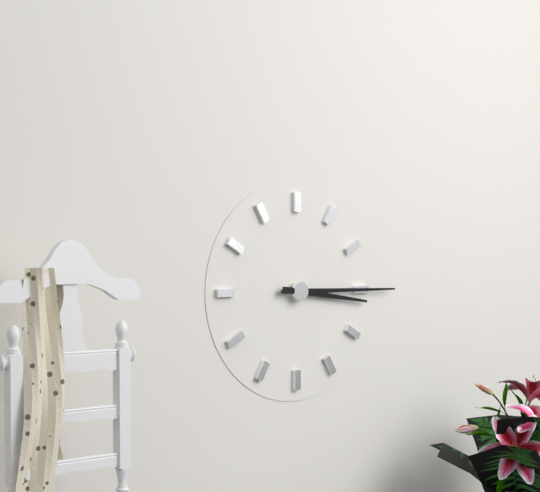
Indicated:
3.15
